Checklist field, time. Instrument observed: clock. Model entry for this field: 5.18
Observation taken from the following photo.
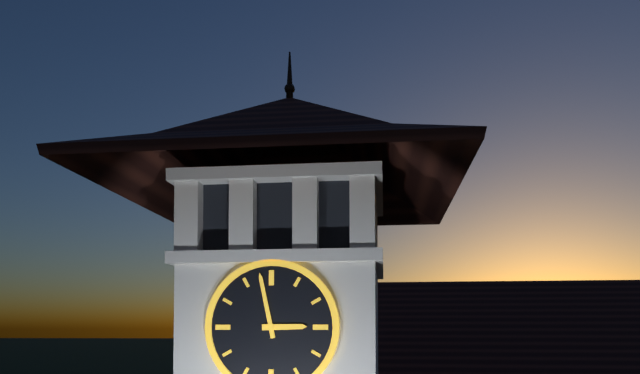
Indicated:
2.58
